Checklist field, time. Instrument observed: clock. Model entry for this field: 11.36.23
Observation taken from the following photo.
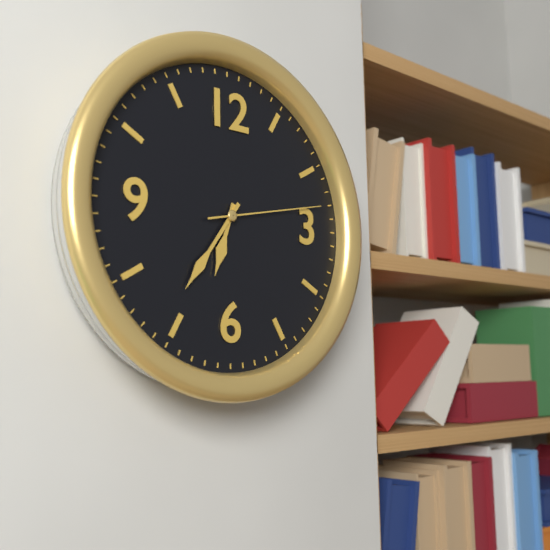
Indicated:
6.36.13
